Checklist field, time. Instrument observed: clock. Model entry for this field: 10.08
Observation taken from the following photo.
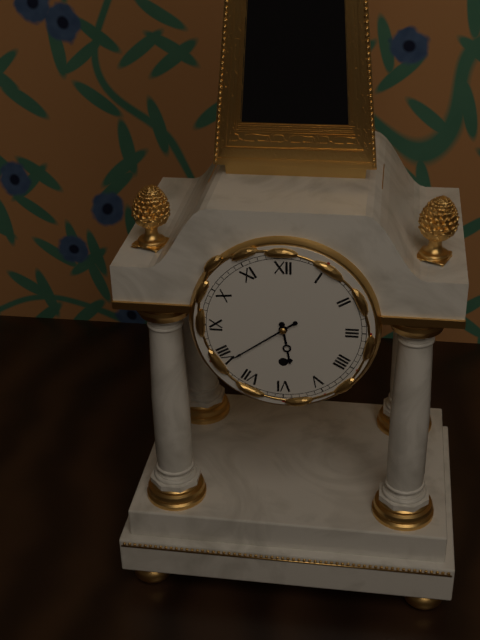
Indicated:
5.39
